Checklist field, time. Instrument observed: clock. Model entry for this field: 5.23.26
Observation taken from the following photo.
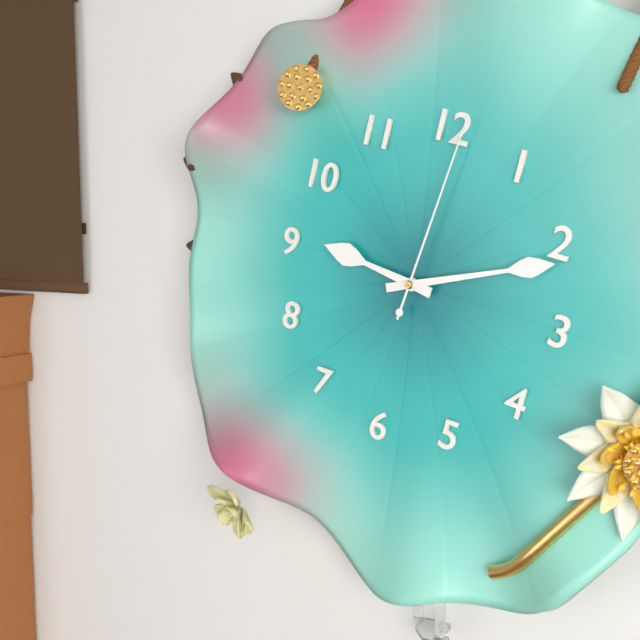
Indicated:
9.11.01
